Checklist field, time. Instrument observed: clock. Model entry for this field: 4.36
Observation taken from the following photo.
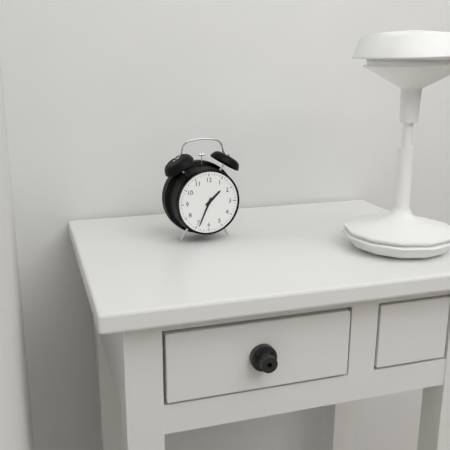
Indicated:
1.34
